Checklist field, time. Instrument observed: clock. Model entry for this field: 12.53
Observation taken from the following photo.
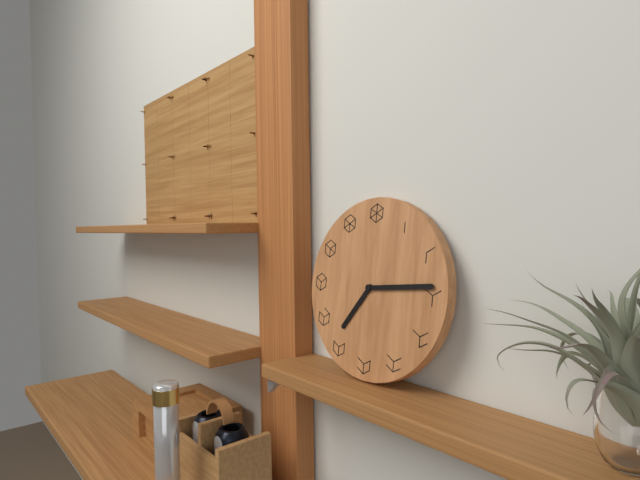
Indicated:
7.14
